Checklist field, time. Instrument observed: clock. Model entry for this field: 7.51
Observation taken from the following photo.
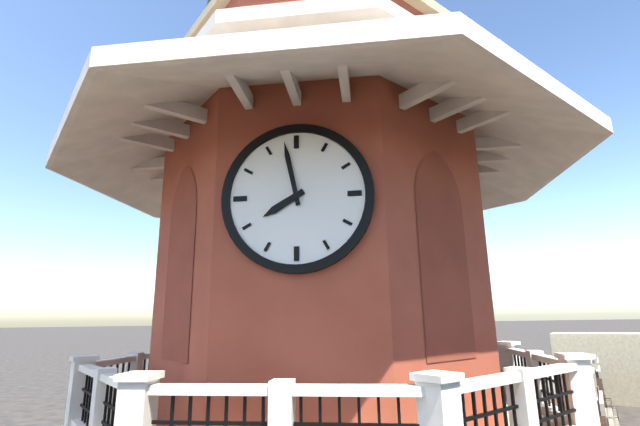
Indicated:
7.58
